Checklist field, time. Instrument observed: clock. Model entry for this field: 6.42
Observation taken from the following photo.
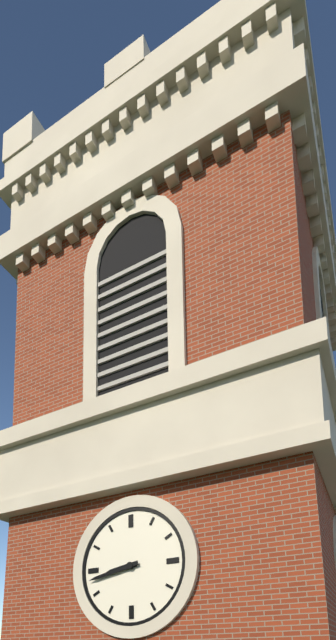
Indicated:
8.43
